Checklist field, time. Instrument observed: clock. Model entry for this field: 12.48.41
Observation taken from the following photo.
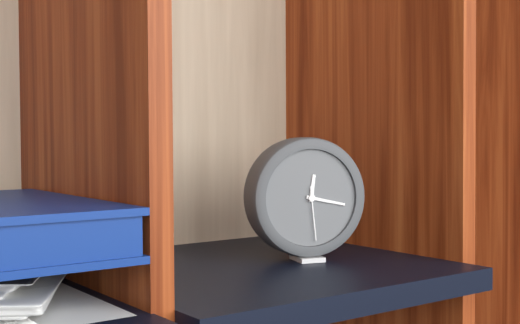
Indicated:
12.17.29
